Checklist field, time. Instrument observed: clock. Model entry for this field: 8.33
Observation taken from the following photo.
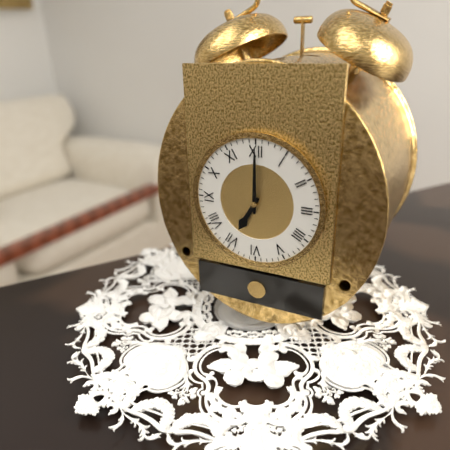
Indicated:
7.00
